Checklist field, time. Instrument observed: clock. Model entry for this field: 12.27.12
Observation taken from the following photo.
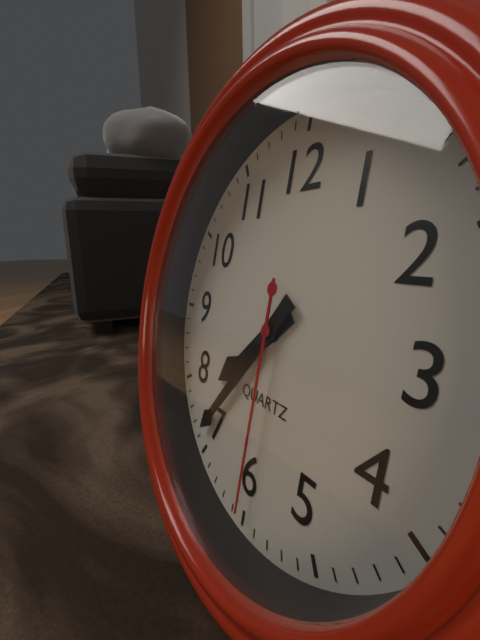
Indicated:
7.36.30
